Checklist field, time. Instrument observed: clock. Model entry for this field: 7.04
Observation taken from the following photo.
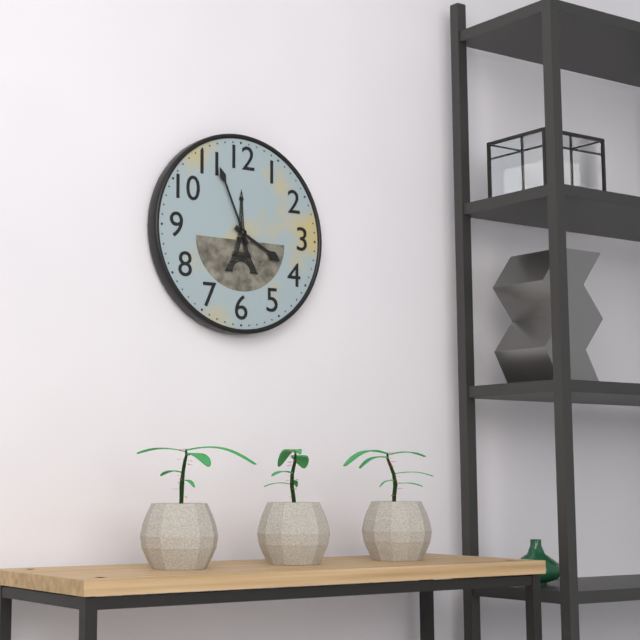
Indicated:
3.56
